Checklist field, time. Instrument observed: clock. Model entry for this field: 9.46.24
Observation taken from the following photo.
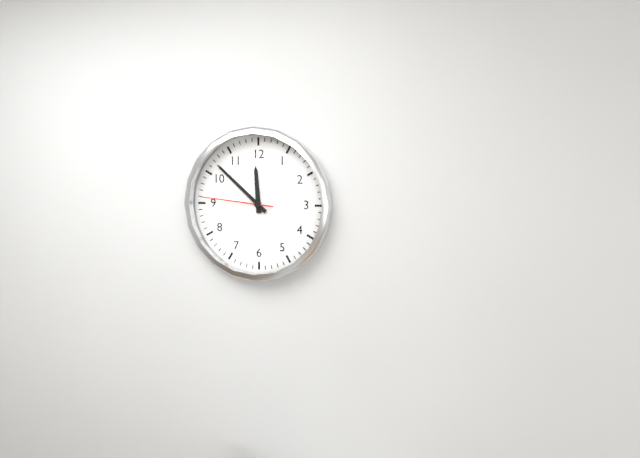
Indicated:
11.52.46
